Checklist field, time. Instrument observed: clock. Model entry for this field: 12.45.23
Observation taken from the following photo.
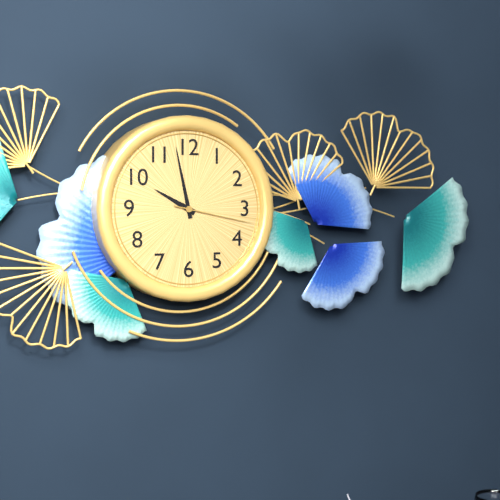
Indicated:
9.58.17
